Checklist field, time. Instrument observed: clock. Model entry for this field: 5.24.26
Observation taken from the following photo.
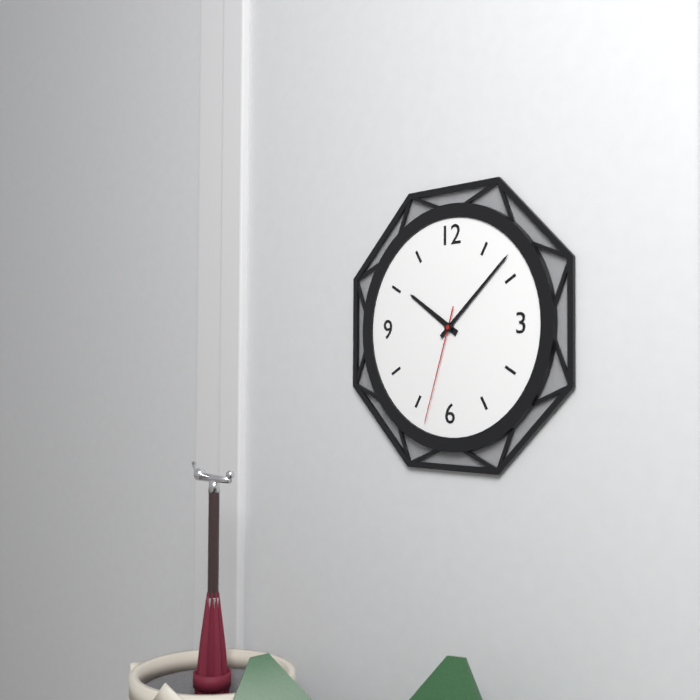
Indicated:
10.08.33
